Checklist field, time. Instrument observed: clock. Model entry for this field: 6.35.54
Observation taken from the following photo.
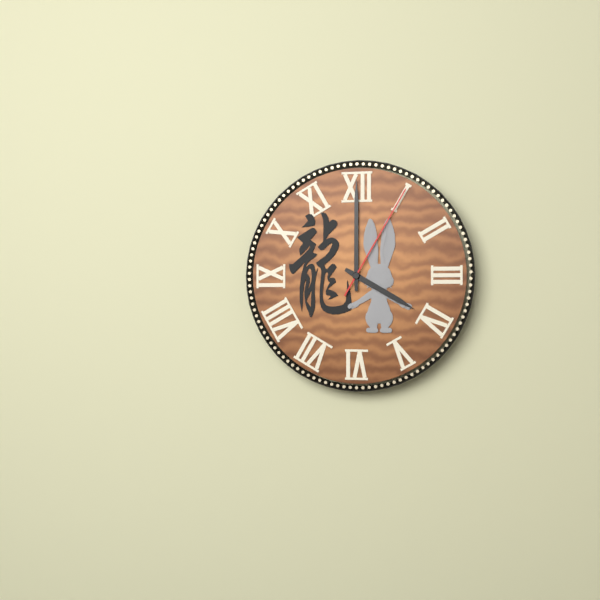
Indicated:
4.00.05
